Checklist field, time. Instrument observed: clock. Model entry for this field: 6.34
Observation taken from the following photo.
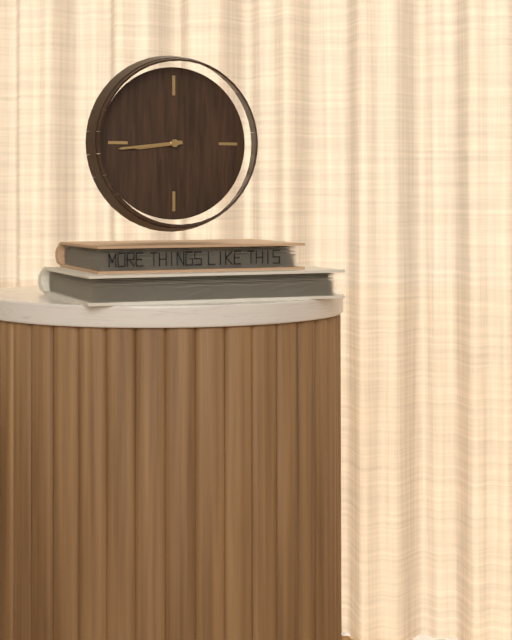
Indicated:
8.44
